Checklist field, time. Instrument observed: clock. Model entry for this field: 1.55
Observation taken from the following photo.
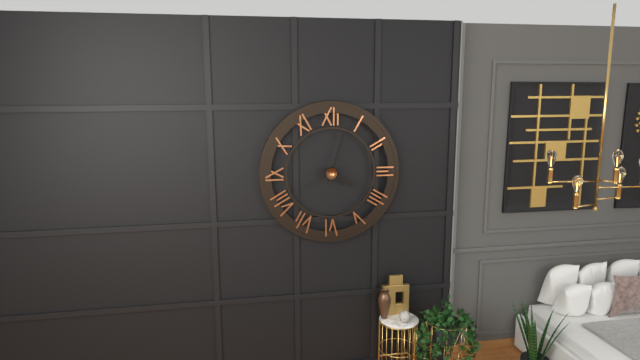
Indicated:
4.03
